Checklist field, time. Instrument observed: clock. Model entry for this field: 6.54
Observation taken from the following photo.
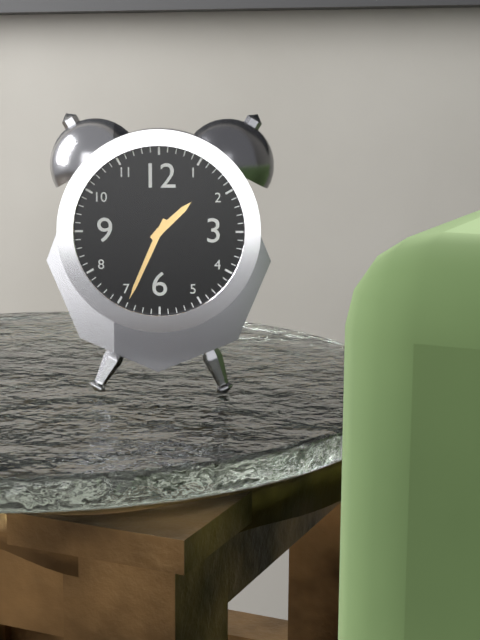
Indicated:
1.34
